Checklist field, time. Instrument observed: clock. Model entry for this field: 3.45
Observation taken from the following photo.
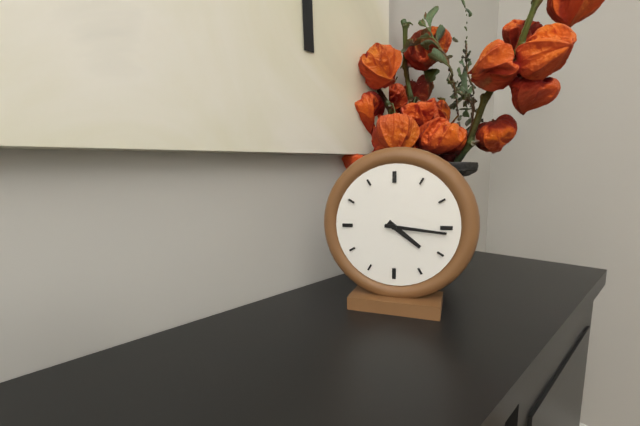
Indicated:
4.16
